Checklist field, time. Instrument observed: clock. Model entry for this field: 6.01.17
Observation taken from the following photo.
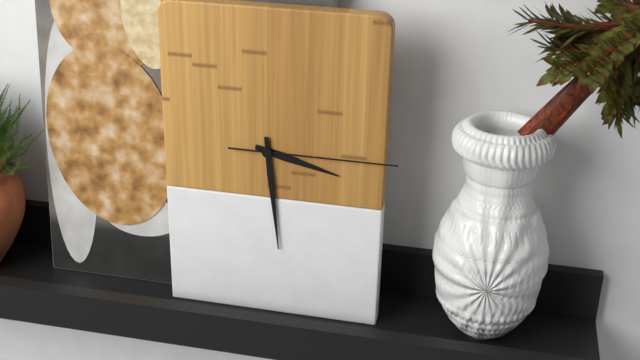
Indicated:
3.29.15
